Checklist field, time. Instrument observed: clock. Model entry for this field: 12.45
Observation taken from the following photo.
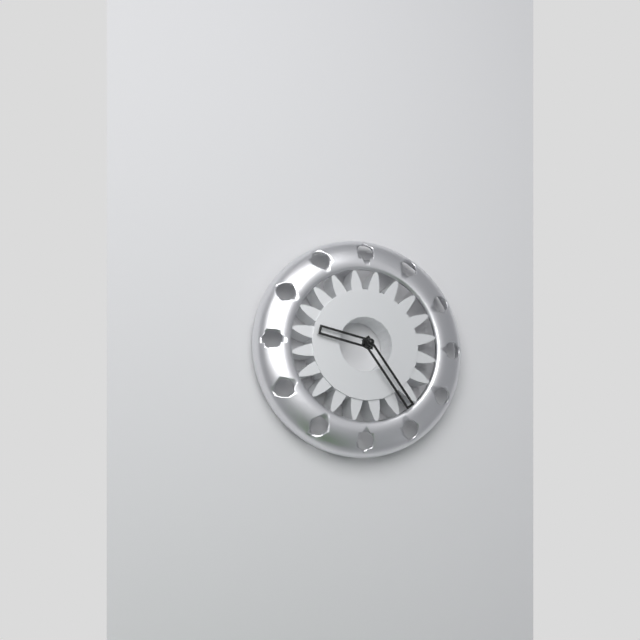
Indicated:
9.24
